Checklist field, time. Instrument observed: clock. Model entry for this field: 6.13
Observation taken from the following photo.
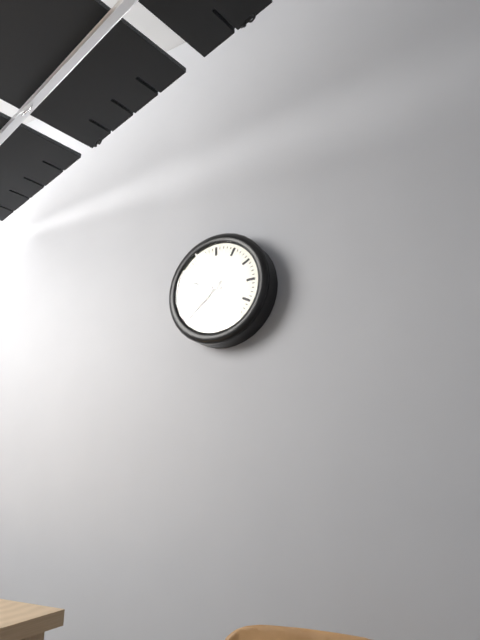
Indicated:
9.38
